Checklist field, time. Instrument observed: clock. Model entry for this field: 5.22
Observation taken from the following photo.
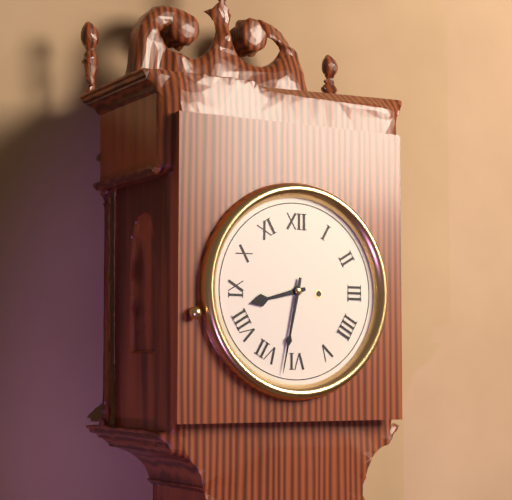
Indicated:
8.32
